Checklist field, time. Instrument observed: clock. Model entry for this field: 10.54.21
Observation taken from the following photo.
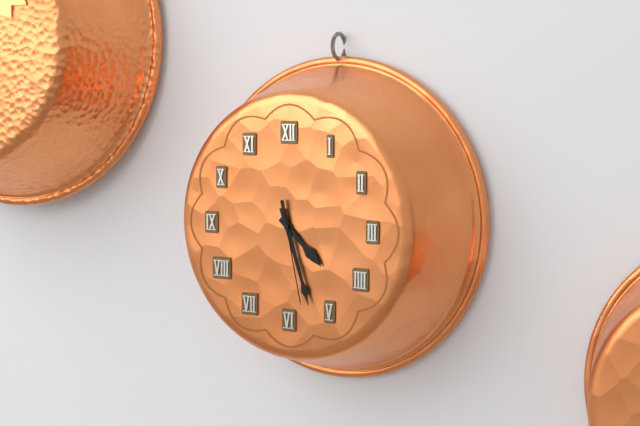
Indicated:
4.27.28
